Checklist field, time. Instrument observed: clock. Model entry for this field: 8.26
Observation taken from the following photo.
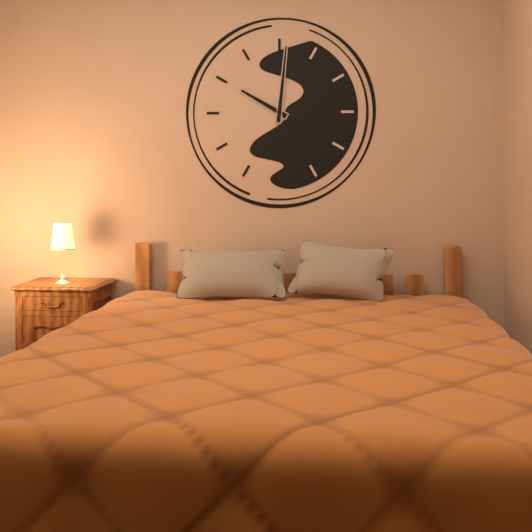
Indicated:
10.01
